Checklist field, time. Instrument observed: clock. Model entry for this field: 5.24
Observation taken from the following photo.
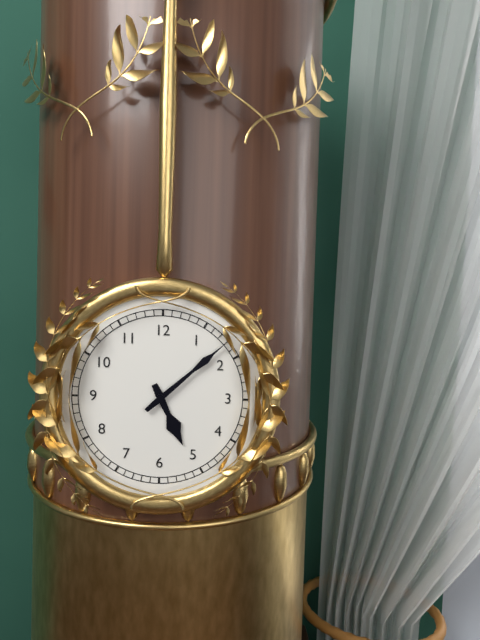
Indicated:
5.08
